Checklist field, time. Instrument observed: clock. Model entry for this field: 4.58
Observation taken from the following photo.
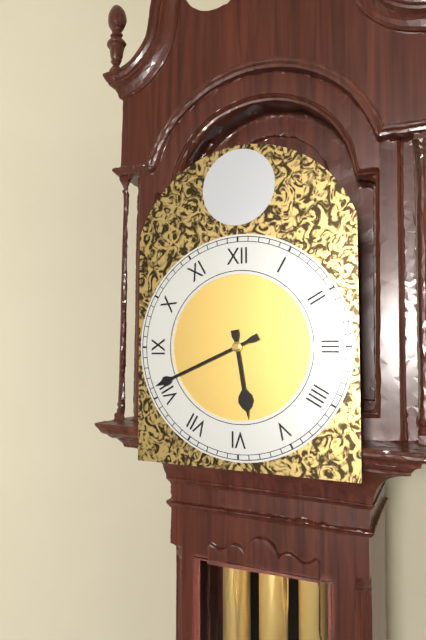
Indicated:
5.41
